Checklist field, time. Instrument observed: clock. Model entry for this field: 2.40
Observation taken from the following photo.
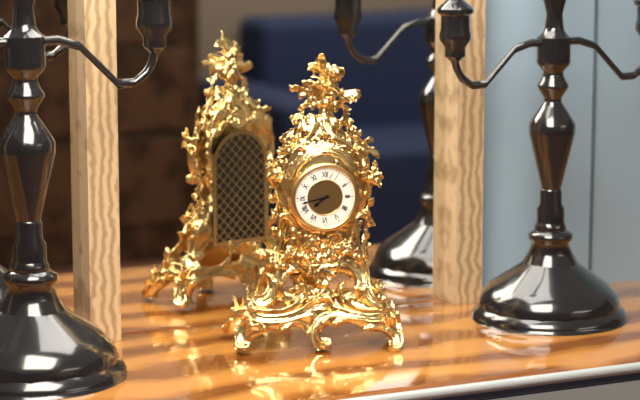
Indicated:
7.43
